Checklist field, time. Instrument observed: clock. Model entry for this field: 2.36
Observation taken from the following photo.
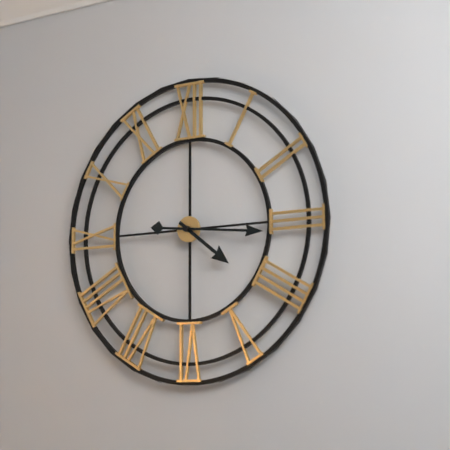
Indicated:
4.16
